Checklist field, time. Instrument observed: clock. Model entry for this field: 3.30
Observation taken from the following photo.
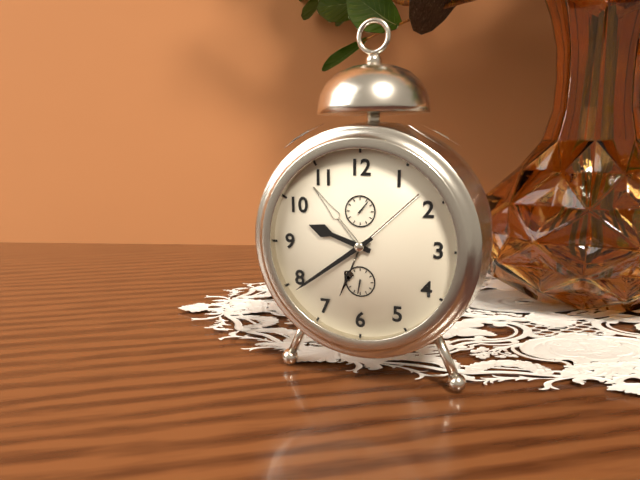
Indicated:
9.39
